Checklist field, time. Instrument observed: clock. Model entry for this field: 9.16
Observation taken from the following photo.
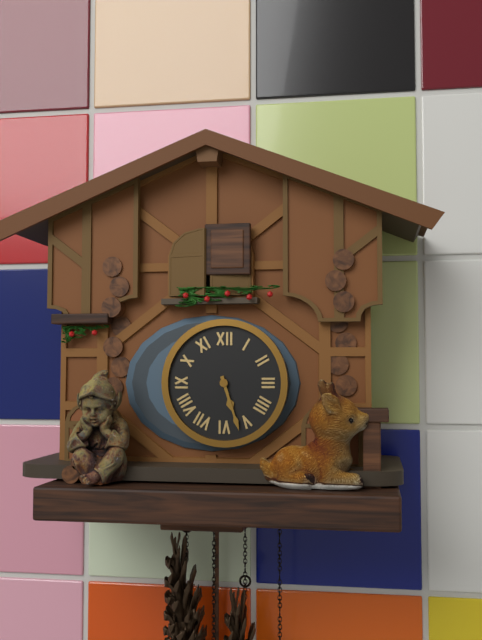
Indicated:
5.27
